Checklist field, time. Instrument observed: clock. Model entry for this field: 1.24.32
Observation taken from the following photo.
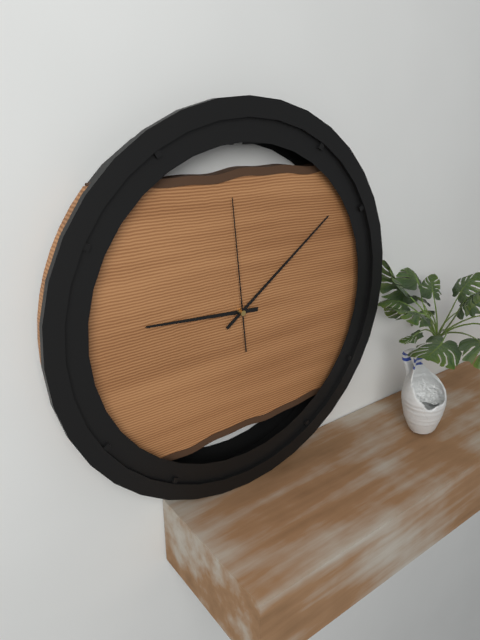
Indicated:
9.09.59
